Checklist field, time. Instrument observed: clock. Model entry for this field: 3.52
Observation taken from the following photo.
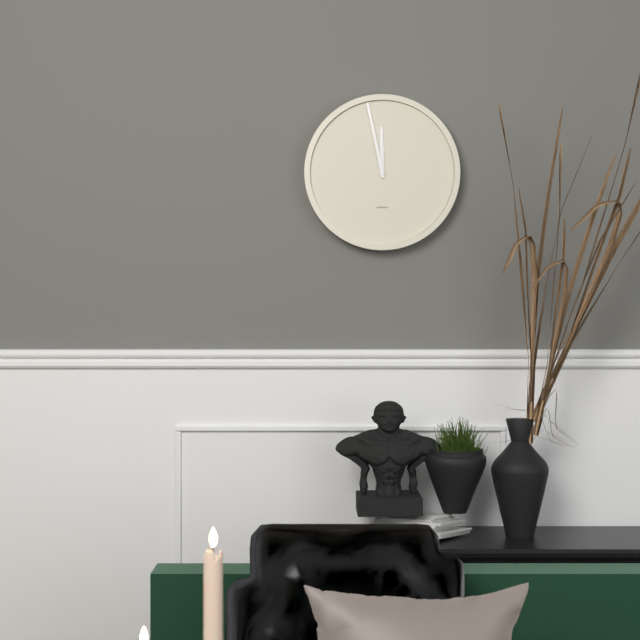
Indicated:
11.58
